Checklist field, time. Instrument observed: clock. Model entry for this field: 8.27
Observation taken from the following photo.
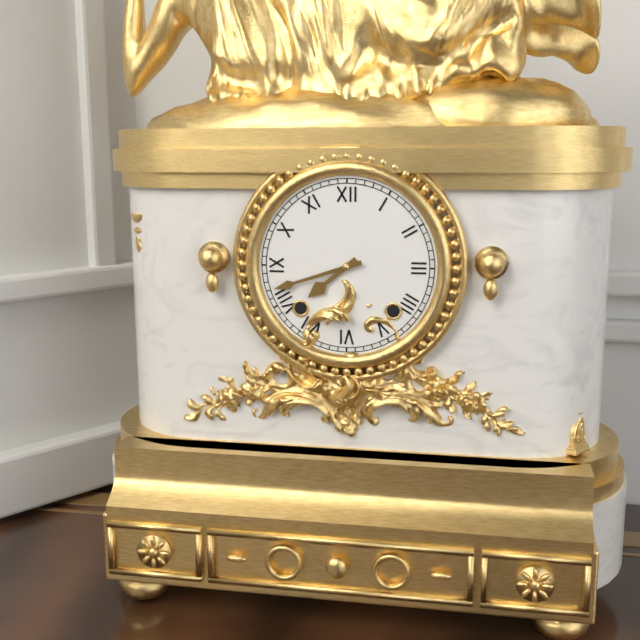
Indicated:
7.42
